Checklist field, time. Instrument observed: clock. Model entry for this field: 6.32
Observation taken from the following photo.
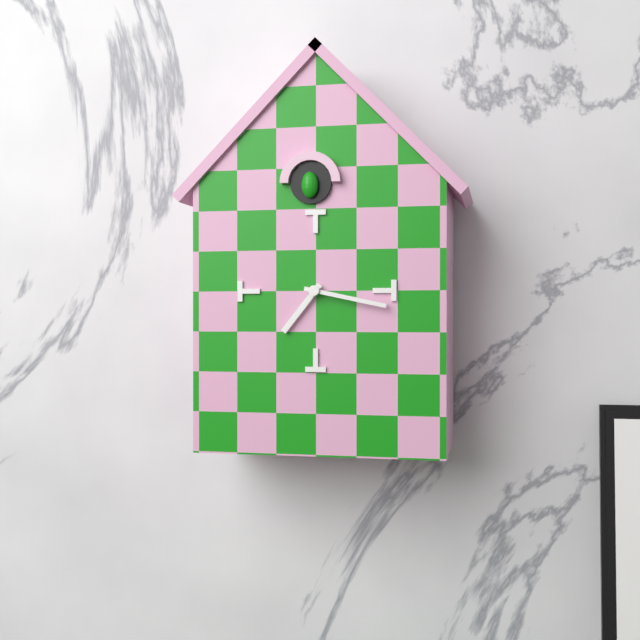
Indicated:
7.17
